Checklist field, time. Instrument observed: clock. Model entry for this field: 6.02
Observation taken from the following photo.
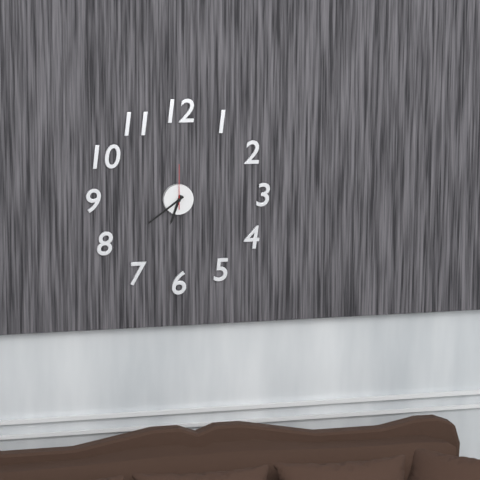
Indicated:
6.39
